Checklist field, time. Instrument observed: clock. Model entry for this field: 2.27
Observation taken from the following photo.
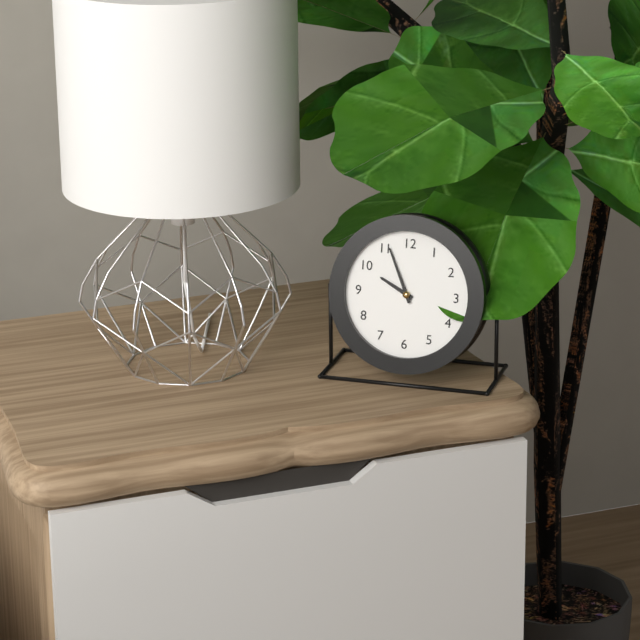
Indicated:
9.56
